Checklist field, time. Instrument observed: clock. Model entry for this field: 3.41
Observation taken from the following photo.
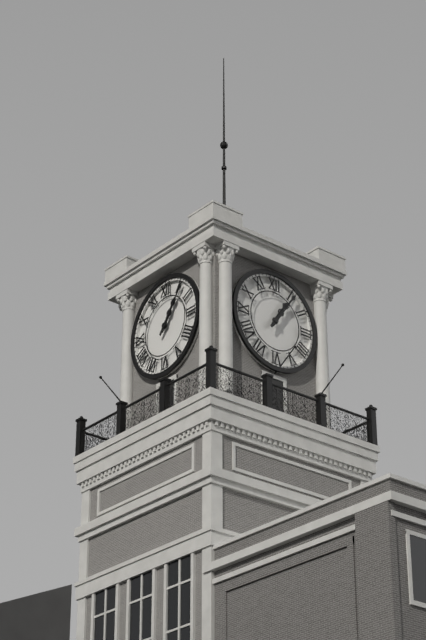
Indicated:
1.06
